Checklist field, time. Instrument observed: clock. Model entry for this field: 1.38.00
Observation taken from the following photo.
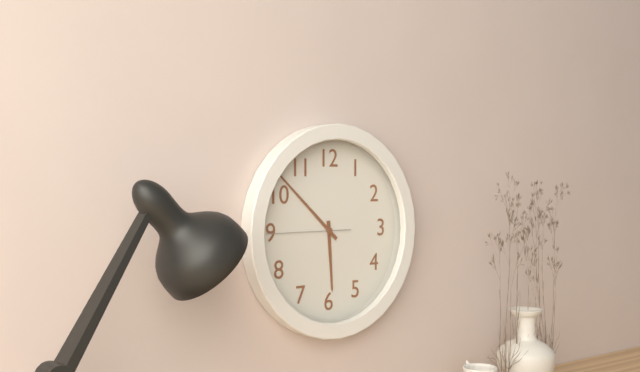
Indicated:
5.52.45
